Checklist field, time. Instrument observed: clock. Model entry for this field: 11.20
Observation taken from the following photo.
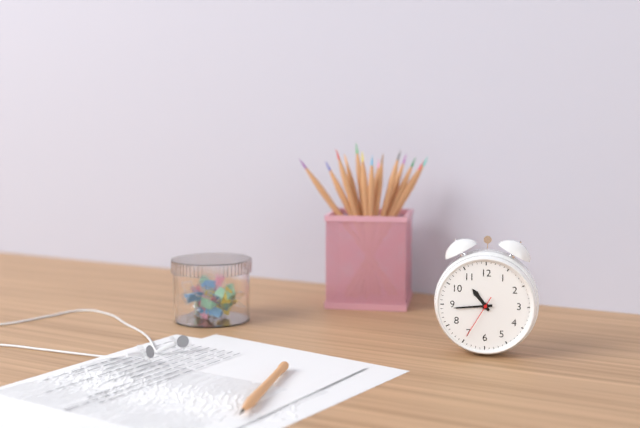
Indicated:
10.44
